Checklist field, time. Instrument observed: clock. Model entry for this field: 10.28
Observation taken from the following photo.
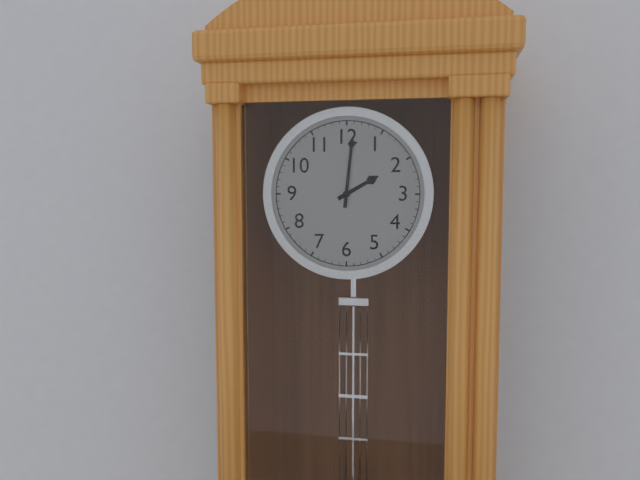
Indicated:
2.01
